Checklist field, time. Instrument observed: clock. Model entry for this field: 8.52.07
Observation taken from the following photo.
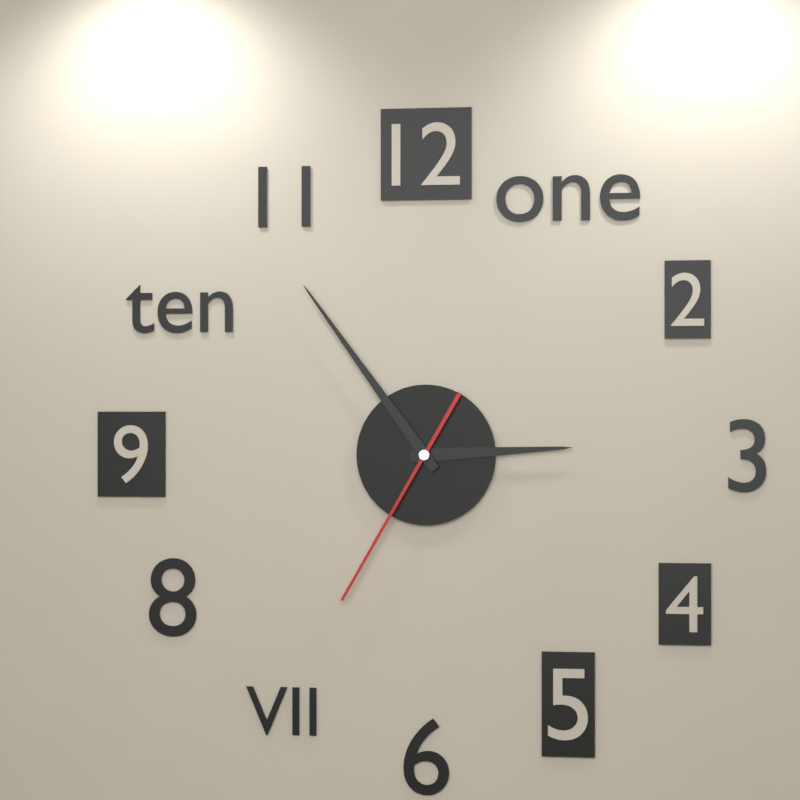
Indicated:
2.54.35
